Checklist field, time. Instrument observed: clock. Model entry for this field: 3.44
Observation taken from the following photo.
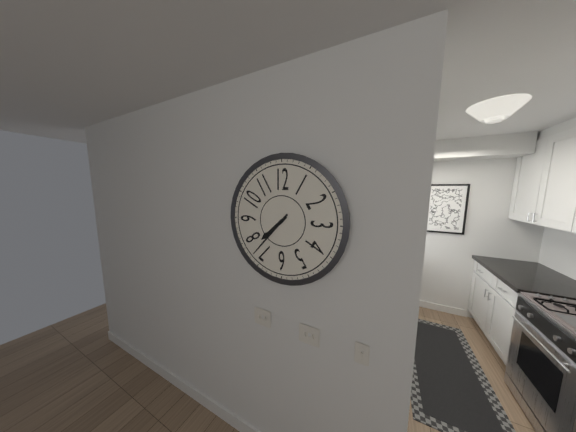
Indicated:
7.37
